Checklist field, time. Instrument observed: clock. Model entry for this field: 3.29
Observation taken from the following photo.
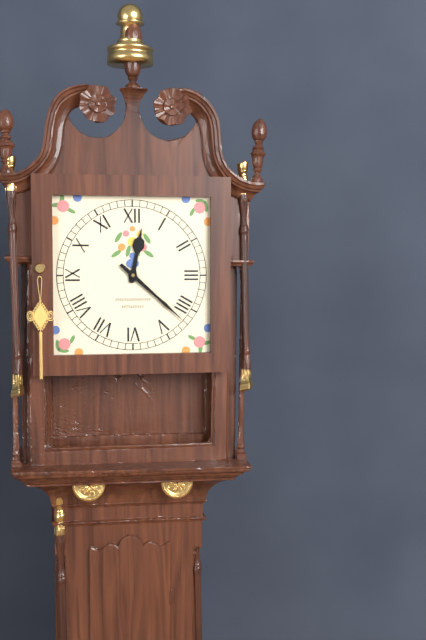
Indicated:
12.22
